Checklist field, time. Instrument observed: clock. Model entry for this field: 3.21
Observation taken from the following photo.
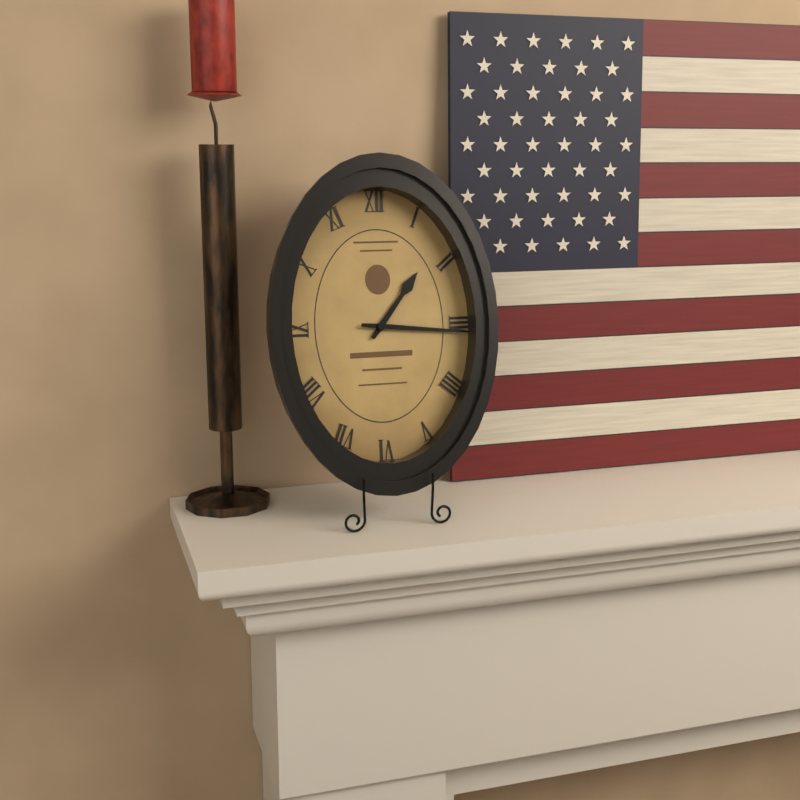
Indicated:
1.16
